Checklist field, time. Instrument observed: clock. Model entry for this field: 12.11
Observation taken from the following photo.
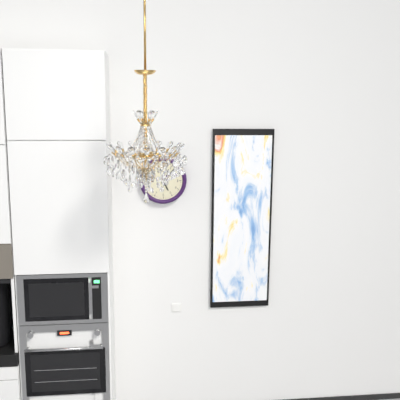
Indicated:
5.07
